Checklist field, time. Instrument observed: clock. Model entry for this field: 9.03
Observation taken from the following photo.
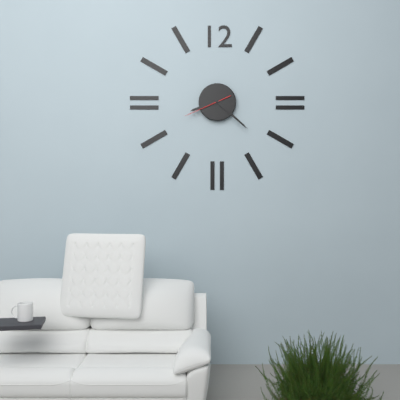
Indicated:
8.22
